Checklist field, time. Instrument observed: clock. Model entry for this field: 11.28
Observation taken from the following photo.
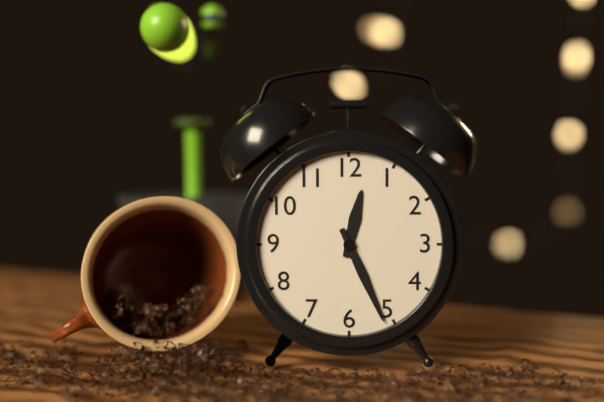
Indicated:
12.26
